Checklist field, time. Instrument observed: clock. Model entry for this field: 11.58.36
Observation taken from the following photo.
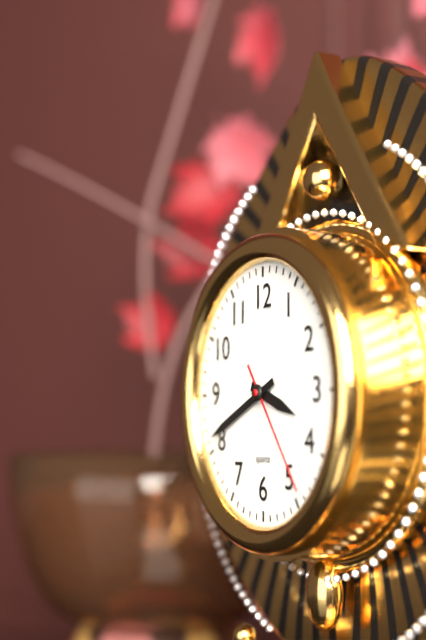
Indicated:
3.41.24
